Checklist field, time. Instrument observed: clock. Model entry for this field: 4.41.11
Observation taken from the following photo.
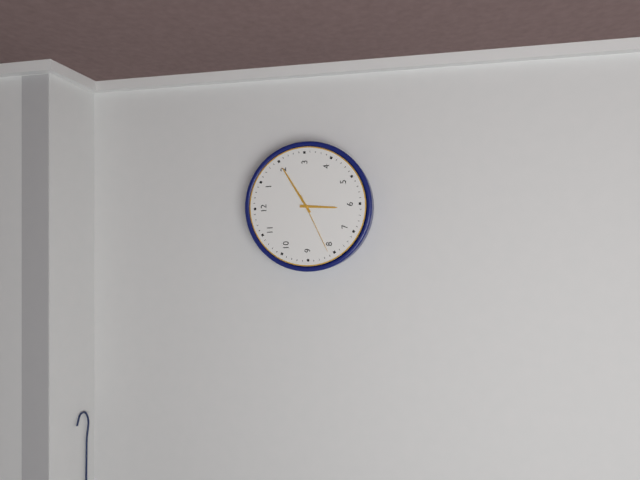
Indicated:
6.10.41
